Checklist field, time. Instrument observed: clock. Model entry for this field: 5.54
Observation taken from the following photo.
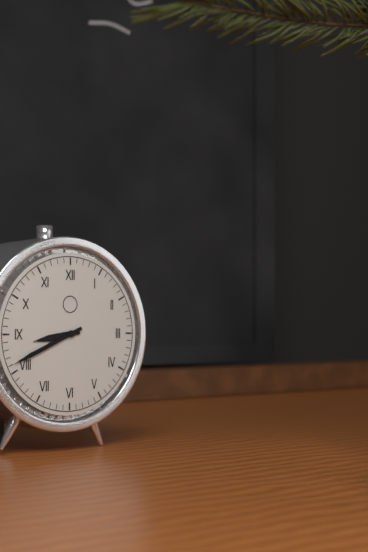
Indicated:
8.41
